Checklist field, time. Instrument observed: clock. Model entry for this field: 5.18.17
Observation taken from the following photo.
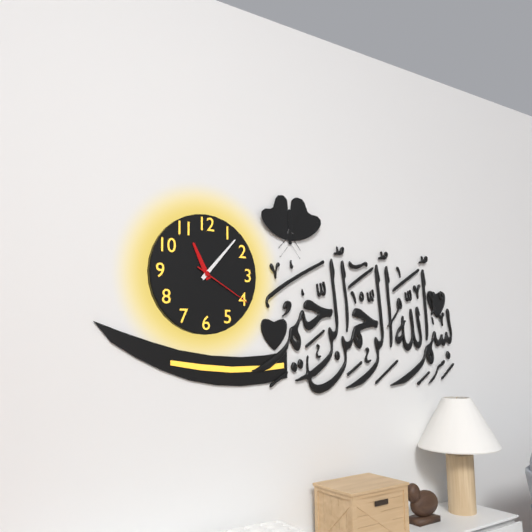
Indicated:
11.07.20
